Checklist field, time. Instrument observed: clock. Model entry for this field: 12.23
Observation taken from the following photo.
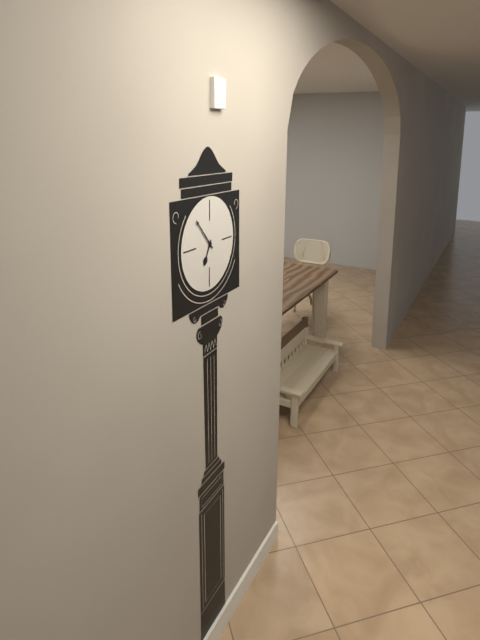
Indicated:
6.53
